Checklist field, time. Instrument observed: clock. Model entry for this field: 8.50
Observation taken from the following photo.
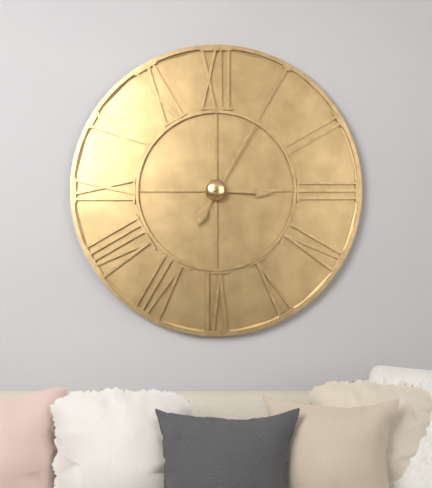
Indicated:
3.05
